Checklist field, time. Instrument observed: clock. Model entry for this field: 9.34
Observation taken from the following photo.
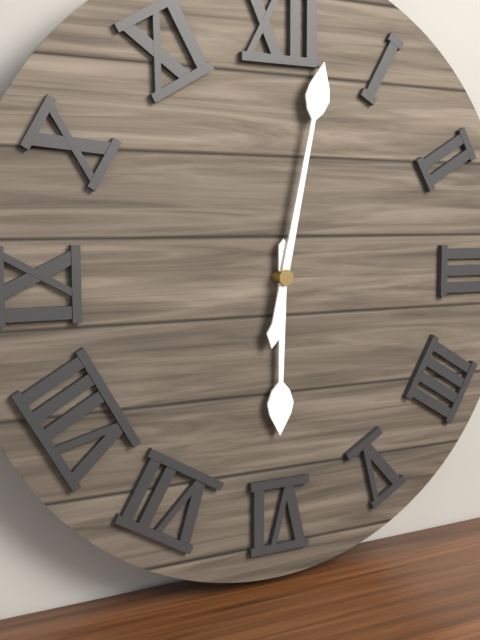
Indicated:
6.02
